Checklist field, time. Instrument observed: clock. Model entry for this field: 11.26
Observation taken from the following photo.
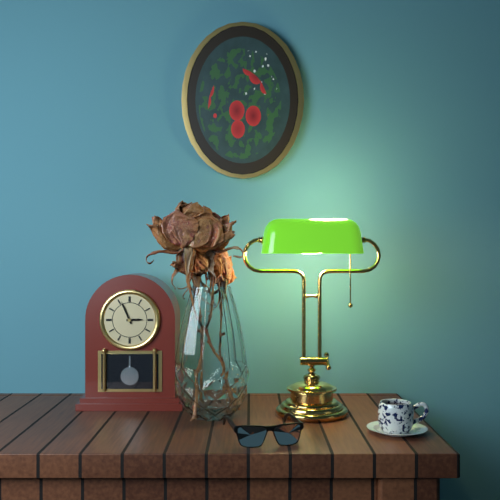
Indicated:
2.56
